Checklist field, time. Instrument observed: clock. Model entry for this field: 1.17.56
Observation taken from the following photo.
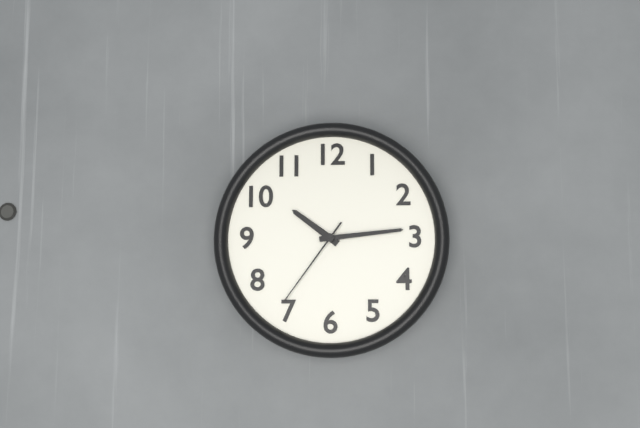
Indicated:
10.14.36
